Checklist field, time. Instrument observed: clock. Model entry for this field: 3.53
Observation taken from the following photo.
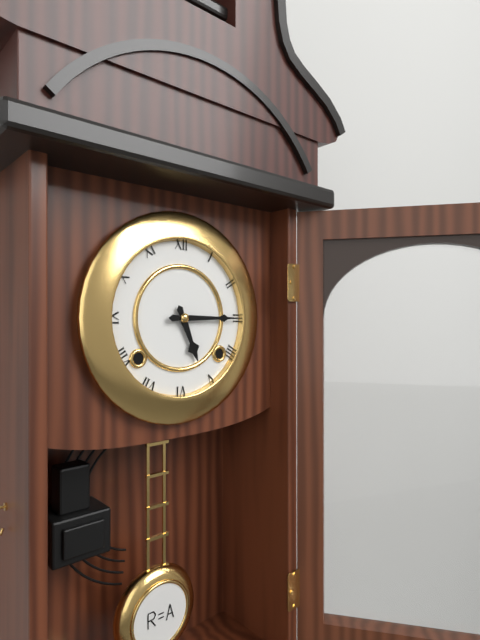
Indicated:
5.15
